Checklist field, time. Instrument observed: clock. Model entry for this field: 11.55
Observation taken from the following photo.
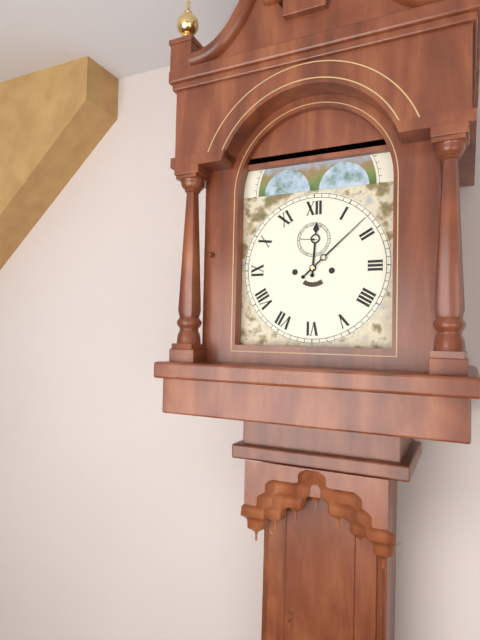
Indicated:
12.08
